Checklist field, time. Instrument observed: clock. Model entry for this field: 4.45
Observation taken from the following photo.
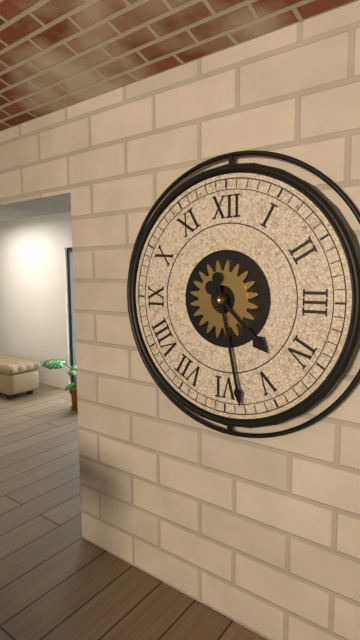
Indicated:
4.28
